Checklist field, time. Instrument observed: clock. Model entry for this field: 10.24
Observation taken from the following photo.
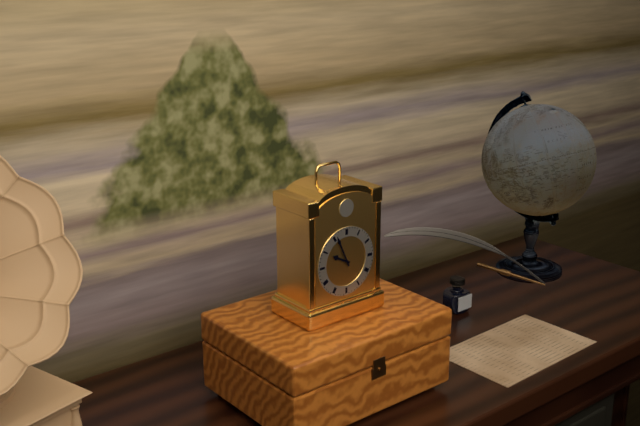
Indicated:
9.56
